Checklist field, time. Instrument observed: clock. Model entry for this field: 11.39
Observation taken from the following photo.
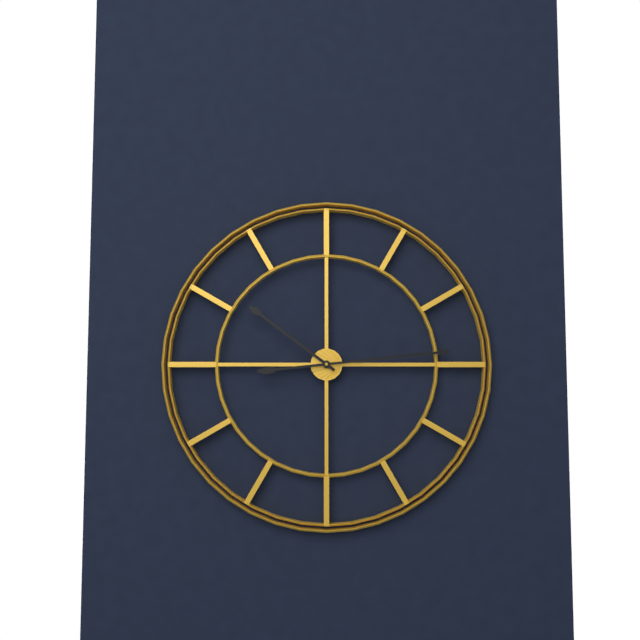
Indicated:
10.14
